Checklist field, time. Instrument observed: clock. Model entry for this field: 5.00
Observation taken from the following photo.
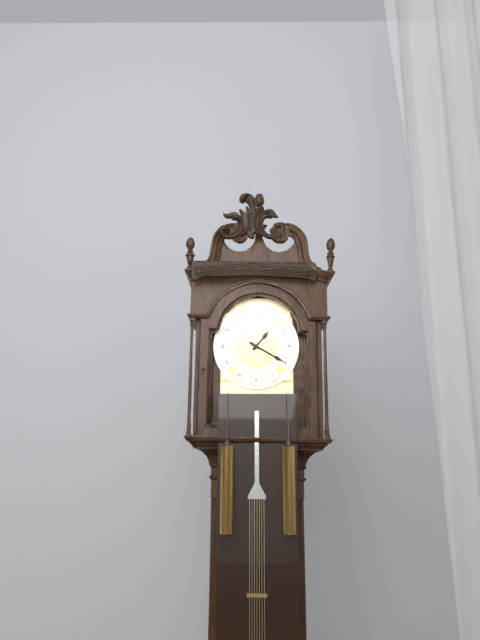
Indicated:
1.20
